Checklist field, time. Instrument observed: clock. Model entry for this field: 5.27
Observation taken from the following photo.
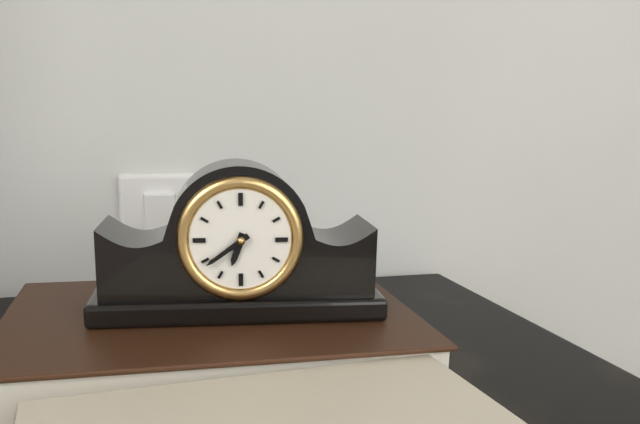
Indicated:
6.39
